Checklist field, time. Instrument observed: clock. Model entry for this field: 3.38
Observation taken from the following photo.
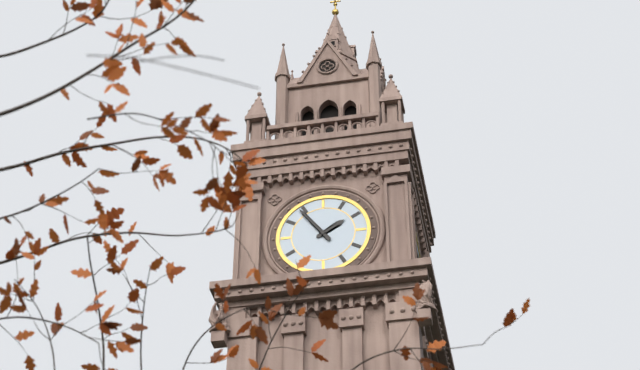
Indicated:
1.54
